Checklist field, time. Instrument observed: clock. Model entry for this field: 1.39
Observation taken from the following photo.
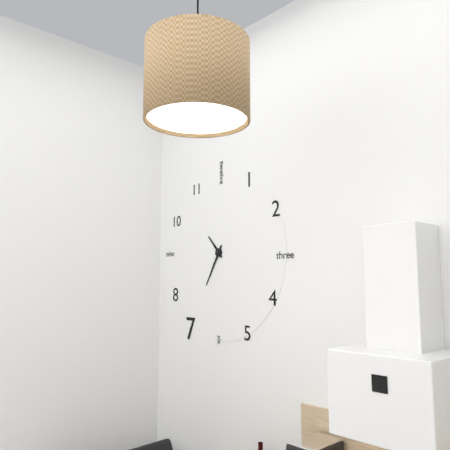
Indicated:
10.35
